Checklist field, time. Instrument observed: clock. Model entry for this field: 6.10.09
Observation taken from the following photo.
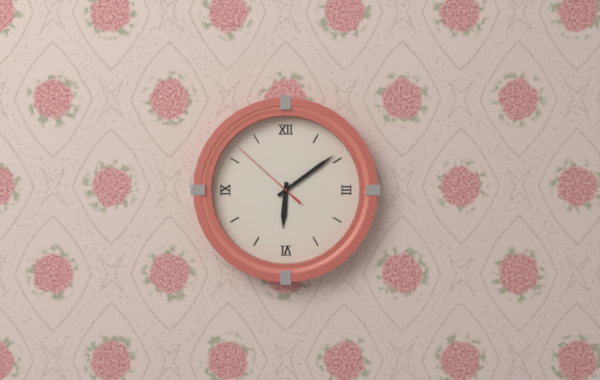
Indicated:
6.09.52
